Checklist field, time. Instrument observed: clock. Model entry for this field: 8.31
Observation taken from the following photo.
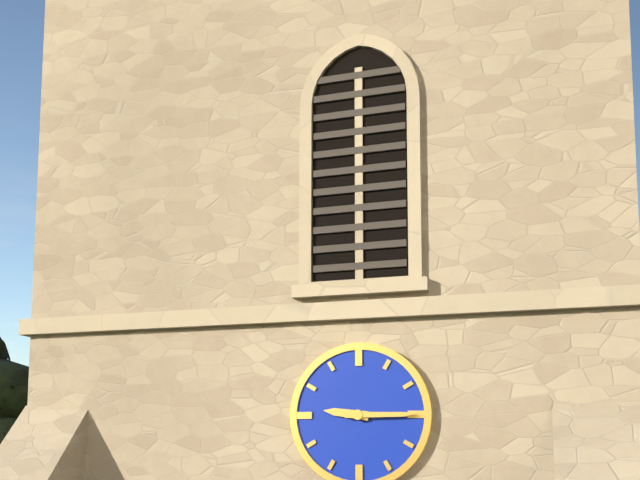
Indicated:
9.15
